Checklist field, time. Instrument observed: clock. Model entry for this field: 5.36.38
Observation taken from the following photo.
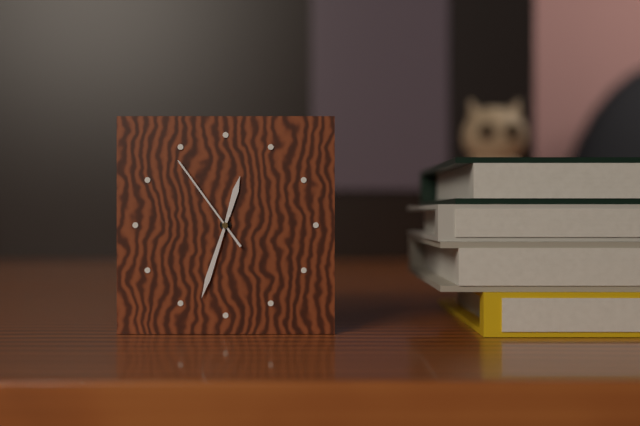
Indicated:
12.33.54
